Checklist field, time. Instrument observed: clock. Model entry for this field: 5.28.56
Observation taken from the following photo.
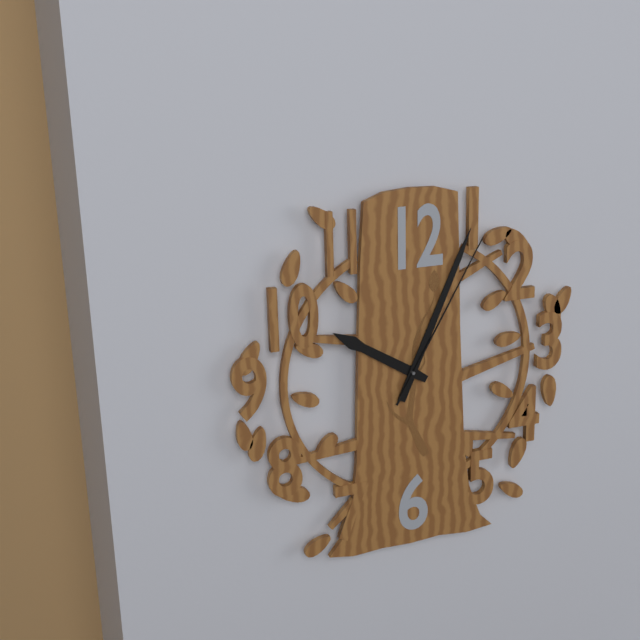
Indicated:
10.04.05
